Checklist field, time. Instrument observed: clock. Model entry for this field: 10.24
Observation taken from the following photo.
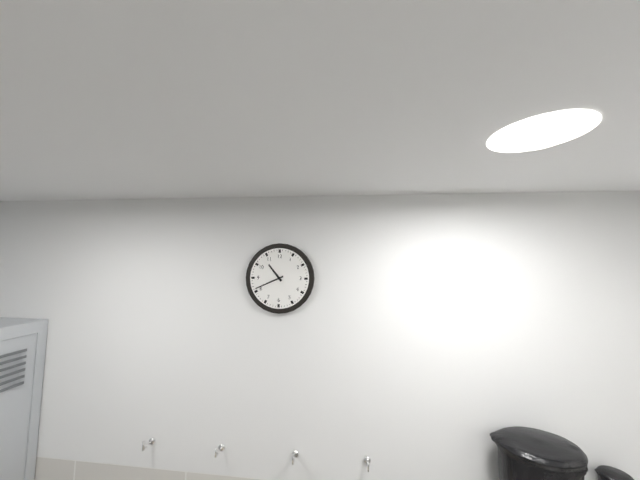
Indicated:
10.41
